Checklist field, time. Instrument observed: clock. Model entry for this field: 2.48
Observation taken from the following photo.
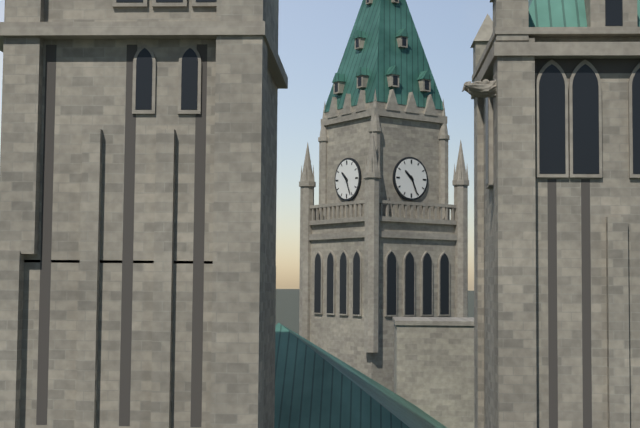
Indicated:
10.26
